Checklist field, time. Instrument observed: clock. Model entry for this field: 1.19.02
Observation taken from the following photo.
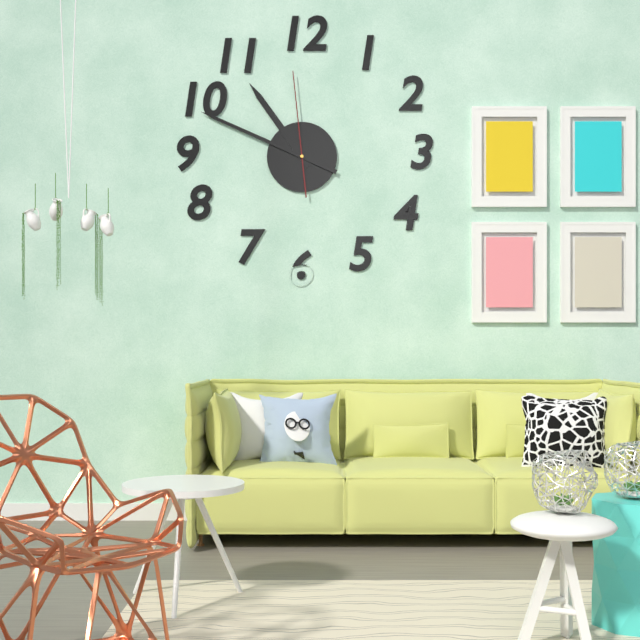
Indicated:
10.49.59
